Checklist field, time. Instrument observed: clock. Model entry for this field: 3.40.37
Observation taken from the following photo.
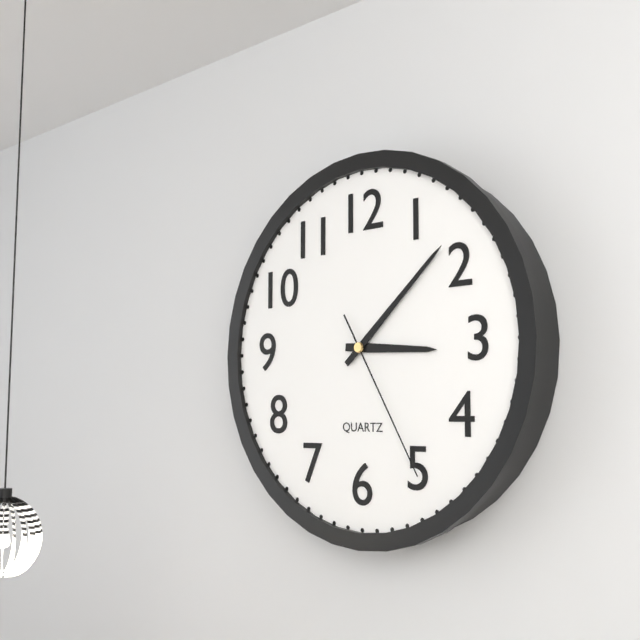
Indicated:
3.08.25
